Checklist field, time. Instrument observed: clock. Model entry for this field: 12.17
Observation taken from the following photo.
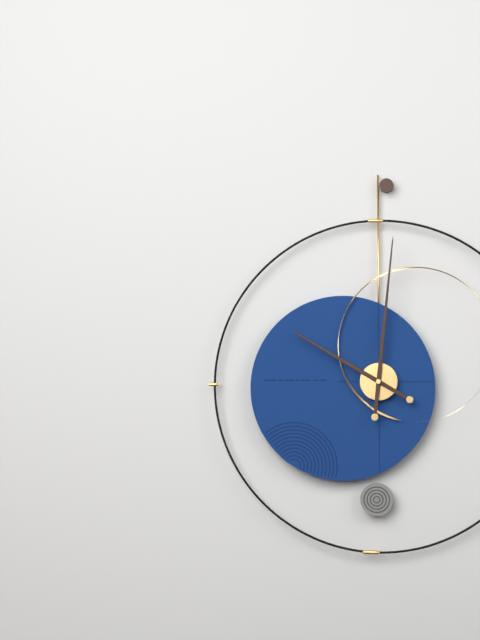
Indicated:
10.01
